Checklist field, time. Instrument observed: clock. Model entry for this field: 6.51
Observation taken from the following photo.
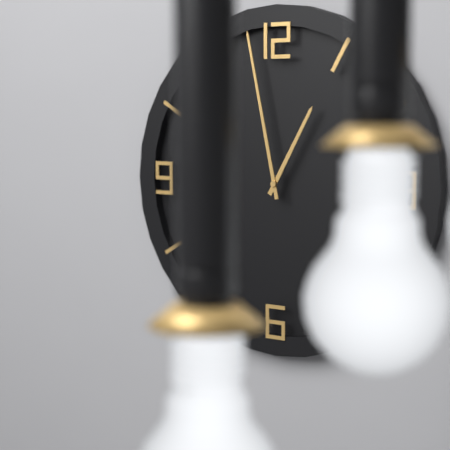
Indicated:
12.58
